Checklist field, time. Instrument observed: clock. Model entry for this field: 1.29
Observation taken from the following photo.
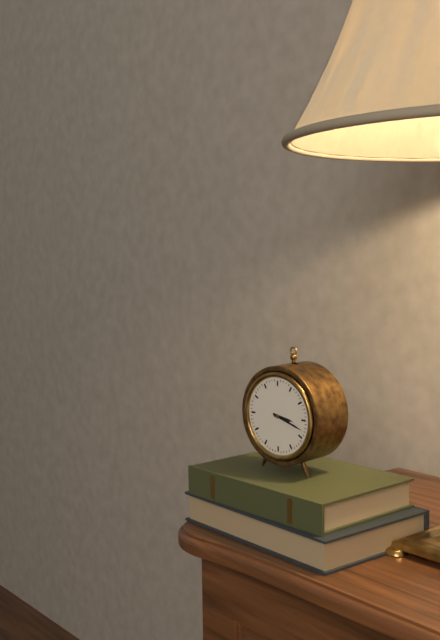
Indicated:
3.18
